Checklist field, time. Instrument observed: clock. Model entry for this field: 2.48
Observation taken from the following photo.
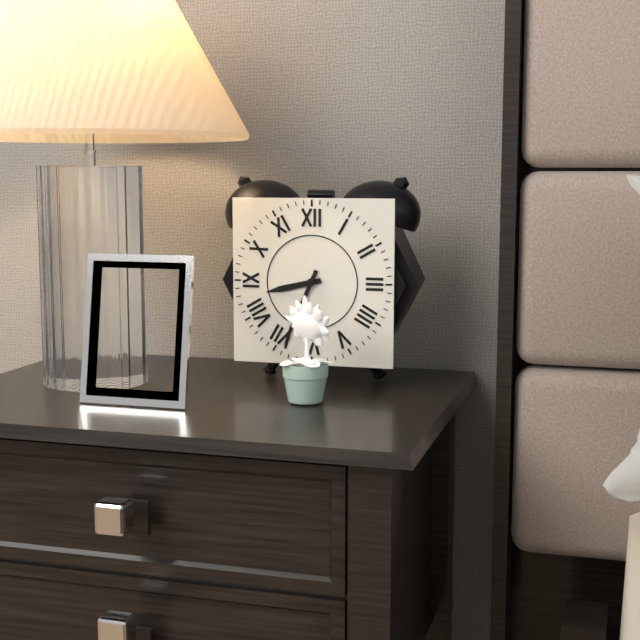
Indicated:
8.34
